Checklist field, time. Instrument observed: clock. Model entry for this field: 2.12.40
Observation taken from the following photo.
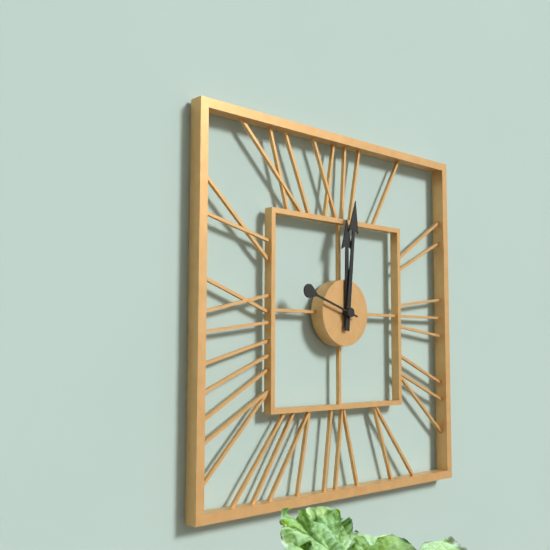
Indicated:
12.01.48
